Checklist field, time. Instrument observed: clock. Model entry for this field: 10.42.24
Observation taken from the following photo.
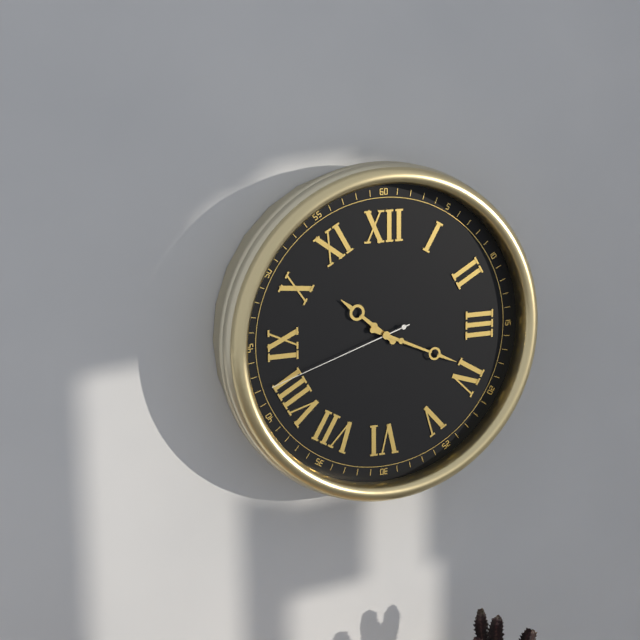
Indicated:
10.19.42
